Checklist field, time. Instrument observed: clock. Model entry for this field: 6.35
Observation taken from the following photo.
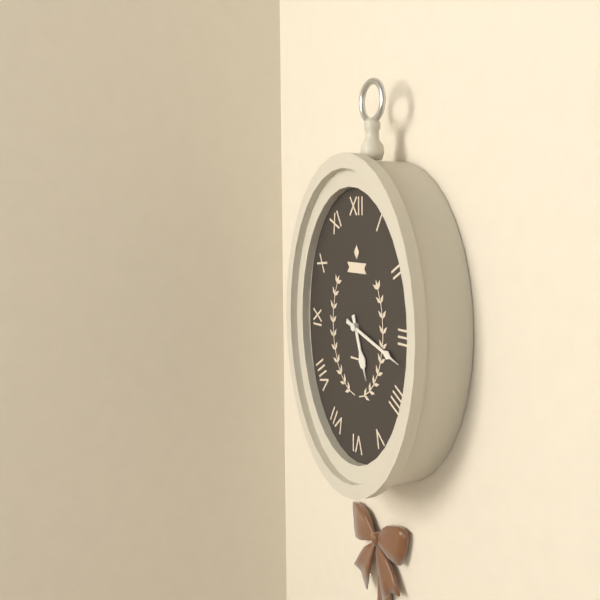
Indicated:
5.18
